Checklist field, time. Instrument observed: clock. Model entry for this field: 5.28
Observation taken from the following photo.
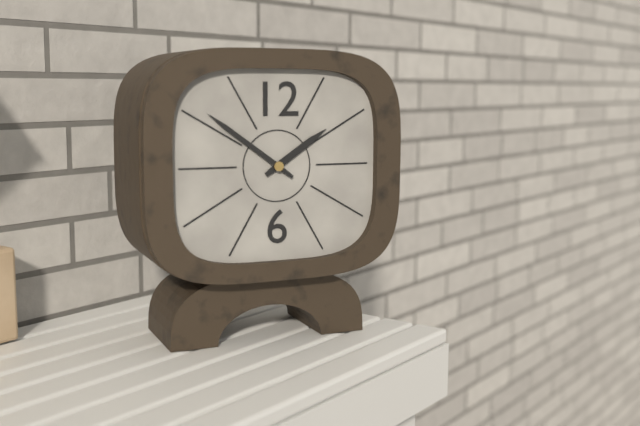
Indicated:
1.51
